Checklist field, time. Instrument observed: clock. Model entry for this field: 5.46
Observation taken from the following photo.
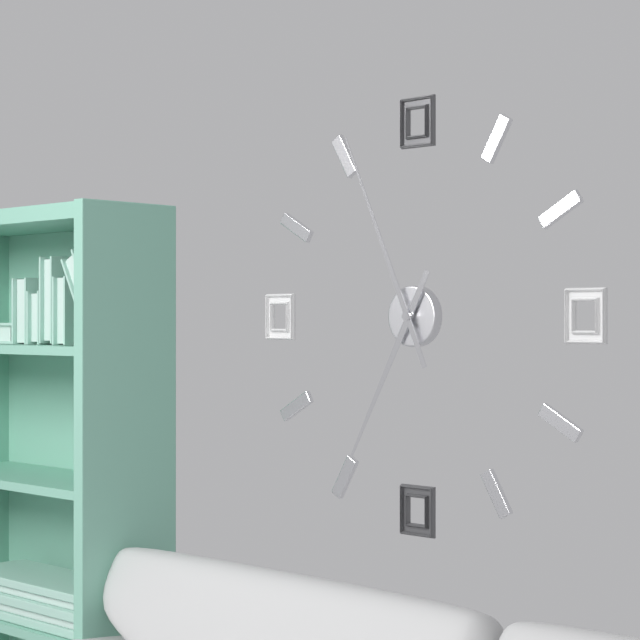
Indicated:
6.56
